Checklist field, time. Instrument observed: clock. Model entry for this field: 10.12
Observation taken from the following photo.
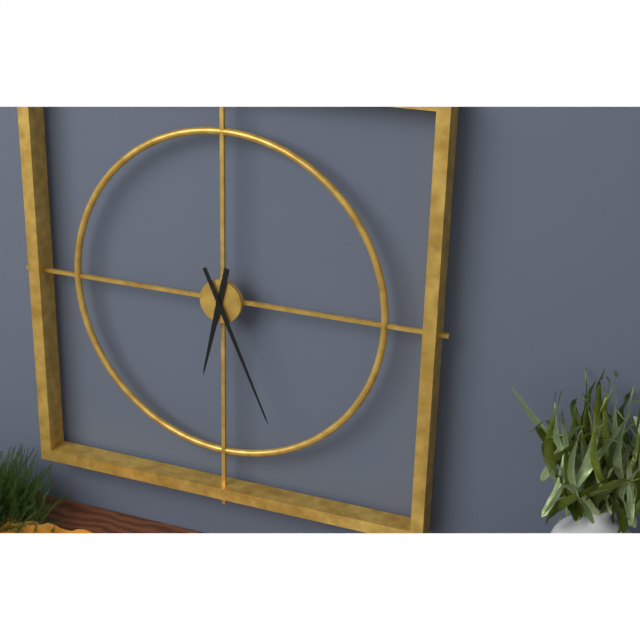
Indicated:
6.26
